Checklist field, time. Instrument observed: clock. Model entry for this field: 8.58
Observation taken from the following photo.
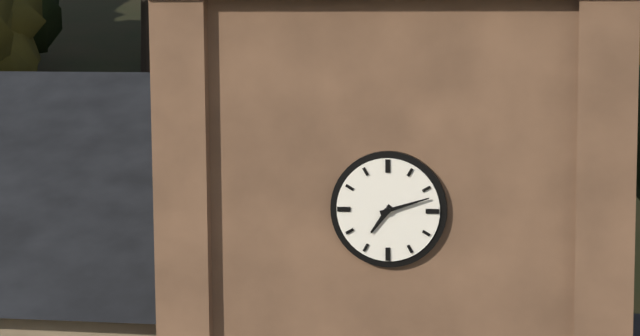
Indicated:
7.12
